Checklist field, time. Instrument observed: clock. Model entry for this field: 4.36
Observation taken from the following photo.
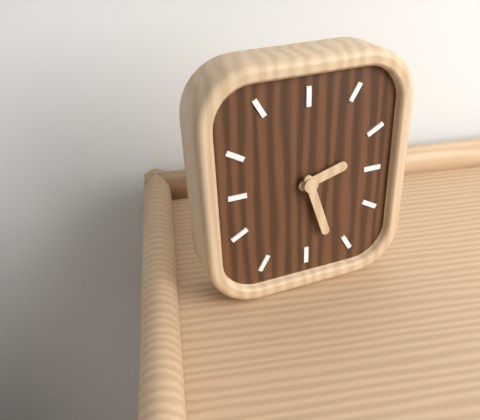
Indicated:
2.27
